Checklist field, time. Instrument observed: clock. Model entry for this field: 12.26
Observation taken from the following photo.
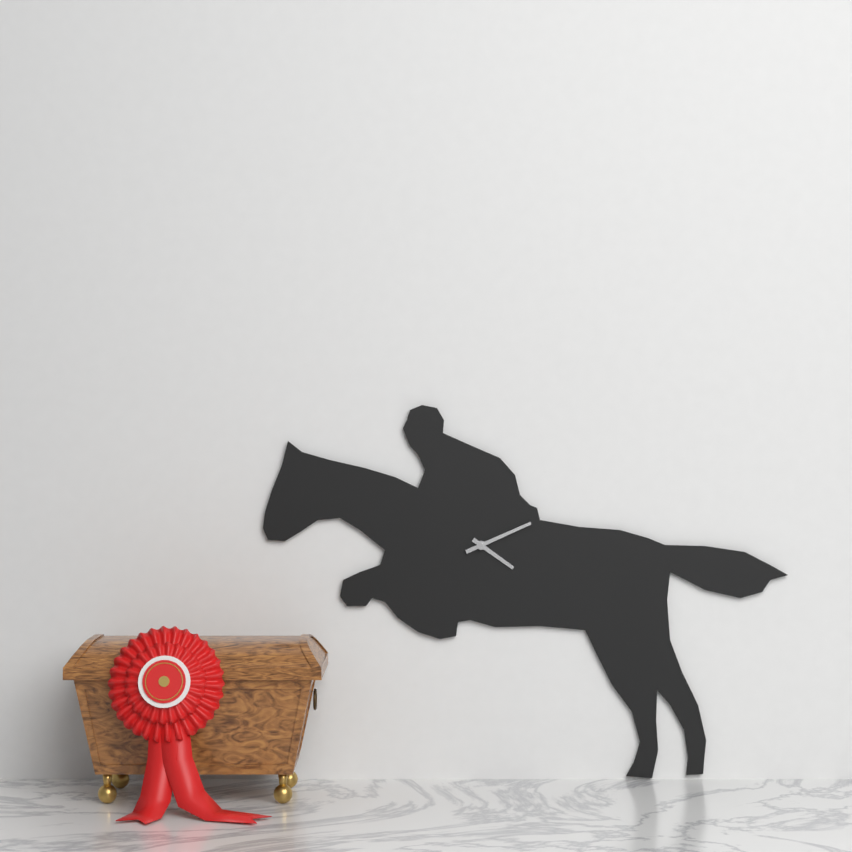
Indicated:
4.11
